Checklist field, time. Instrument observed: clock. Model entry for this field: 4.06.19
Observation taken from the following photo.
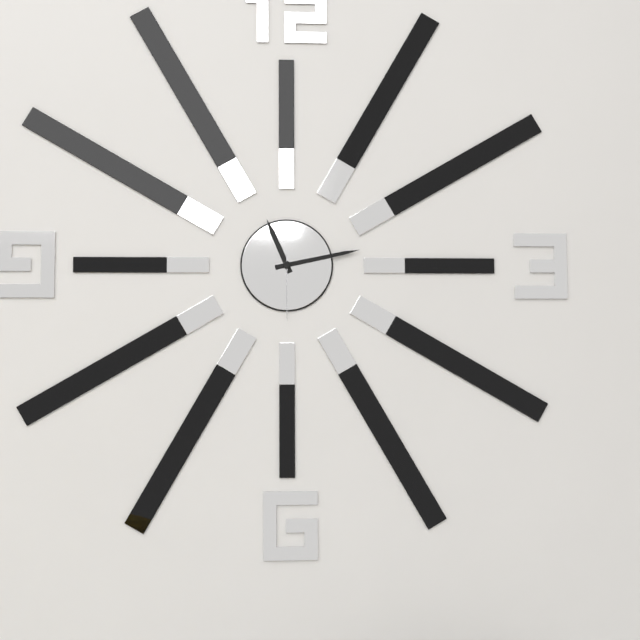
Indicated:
11.13.30
